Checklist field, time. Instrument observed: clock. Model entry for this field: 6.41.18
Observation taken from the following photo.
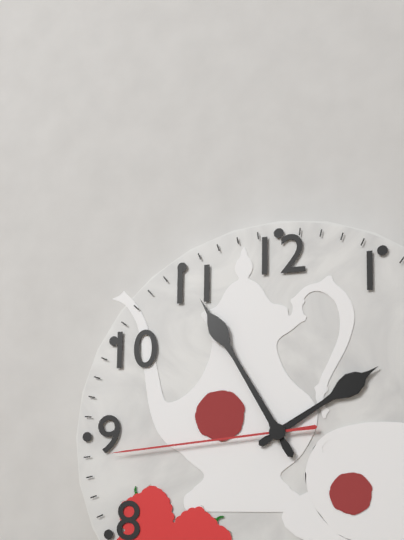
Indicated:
1.55.44
